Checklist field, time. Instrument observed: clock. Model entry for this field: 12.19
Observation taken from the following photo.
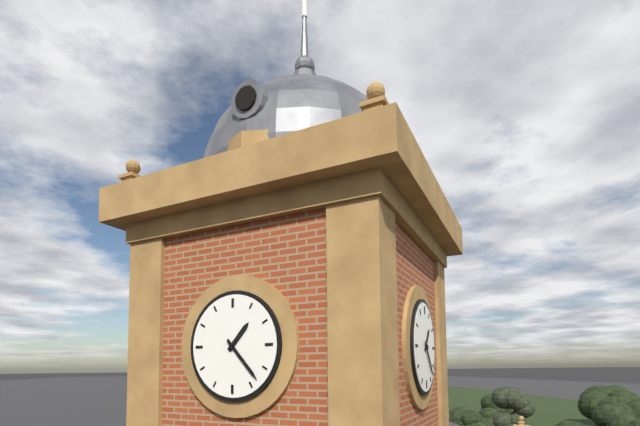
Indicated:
1.23
